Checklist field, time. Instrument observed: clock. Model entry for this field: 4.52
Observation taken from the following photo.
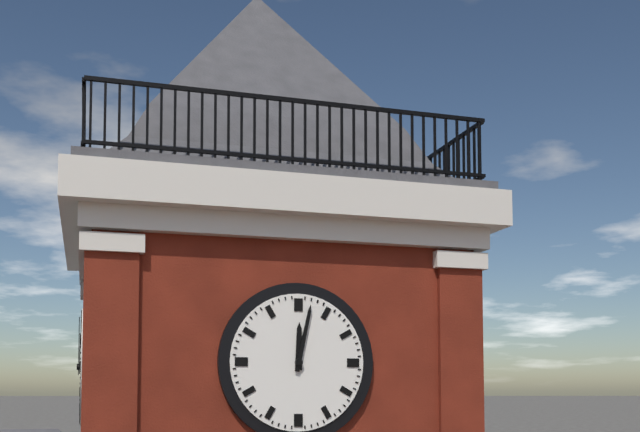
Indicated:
12.02
